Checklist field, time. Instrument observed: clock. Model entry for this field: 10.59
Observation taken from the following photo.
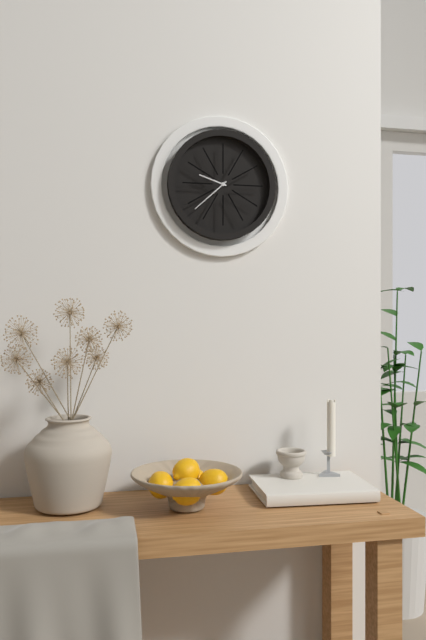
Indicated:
9.38
